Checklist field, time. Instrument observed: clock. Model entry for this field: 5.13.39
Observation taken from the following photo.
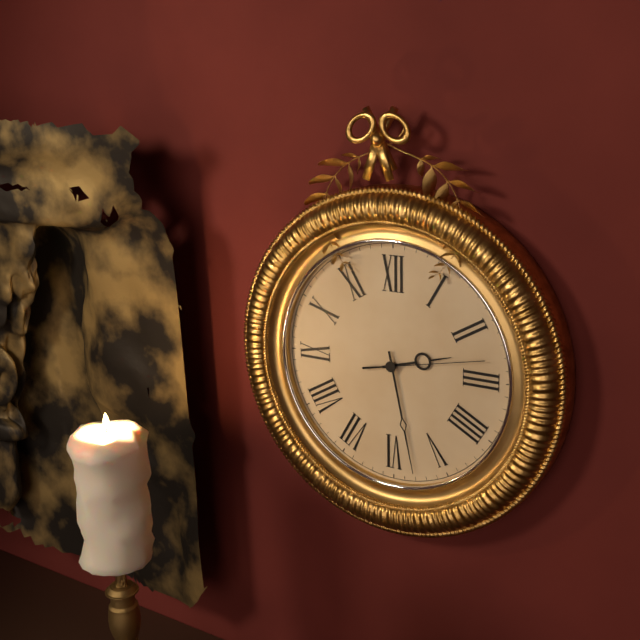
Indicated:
2.28.13
